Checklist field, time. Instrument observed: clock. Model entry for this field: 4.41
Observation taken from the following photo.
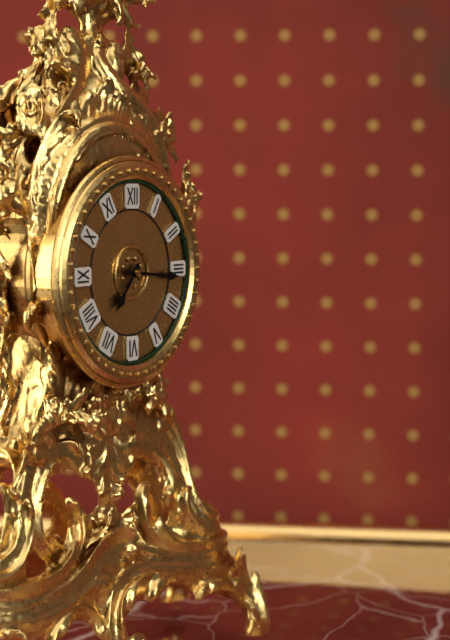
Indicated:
7.16
